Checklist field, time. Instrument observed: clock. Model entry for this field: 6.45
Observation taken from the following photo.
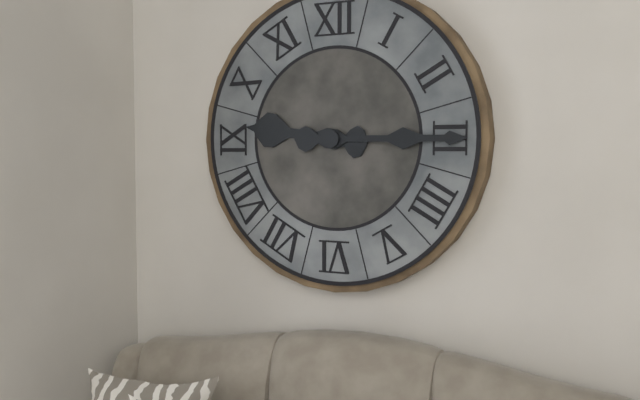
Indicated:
9.15
